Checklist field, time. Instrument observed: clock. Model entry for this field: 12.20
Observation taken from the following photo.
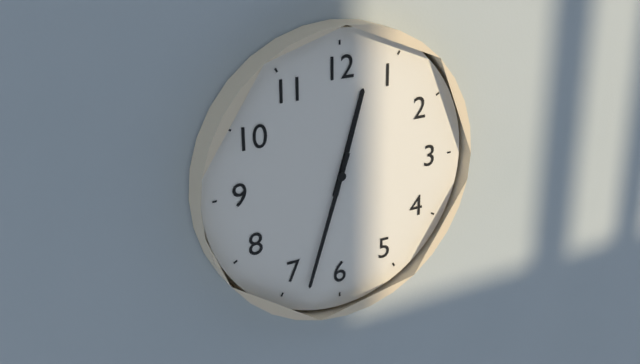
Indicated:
12.33
